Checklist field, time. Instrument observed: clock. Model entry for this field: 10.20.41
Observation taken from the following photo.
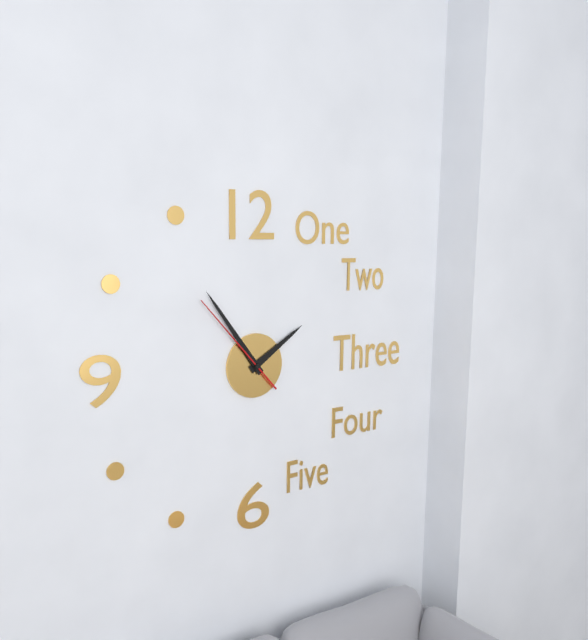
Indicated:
1.54.53
